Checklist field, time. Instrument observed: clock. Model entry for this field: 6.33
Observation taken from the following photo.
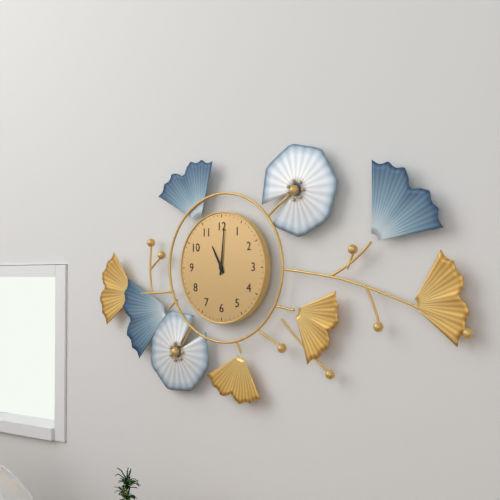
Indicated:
11.01
